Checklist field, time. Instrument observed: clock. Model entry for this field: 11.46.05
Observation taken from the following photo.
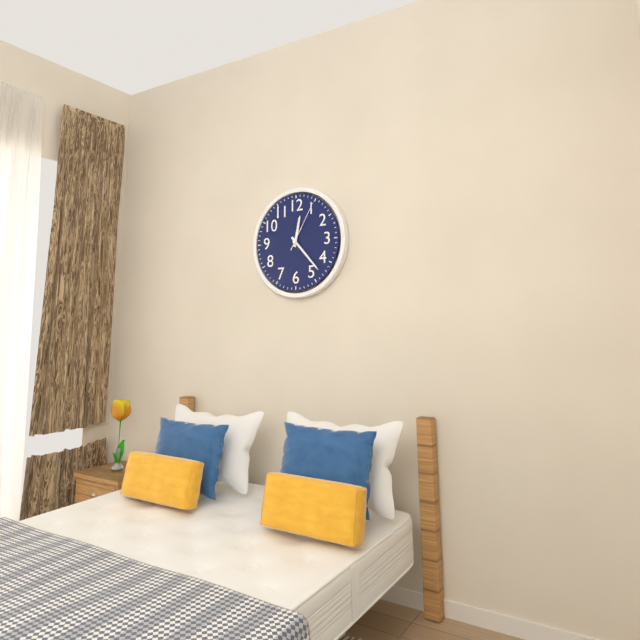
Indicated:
12.23.05
